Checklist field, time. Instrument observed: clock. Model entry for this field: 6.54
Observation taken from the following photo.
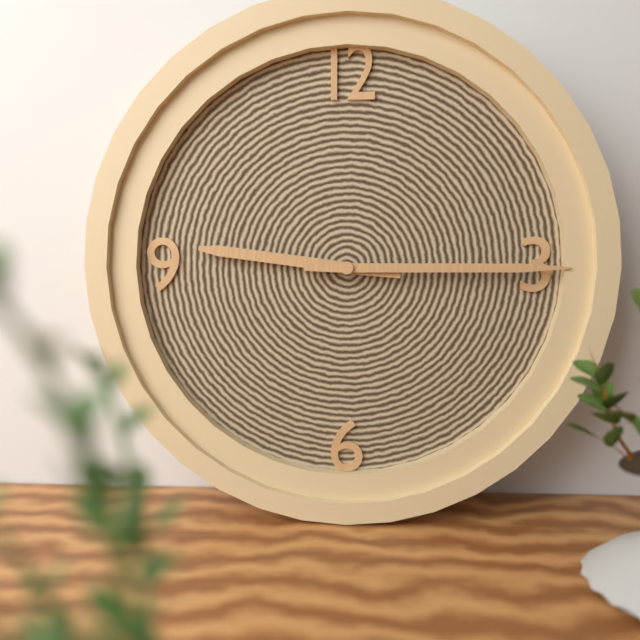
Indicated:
9.15
